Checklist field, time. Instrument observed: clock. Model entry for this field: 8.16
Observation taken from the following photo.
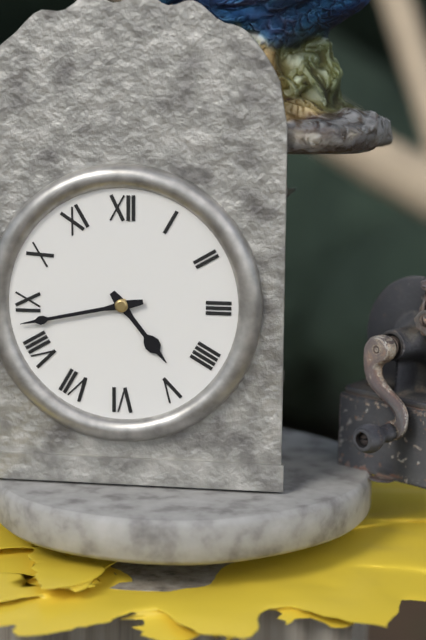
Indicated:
4.43
